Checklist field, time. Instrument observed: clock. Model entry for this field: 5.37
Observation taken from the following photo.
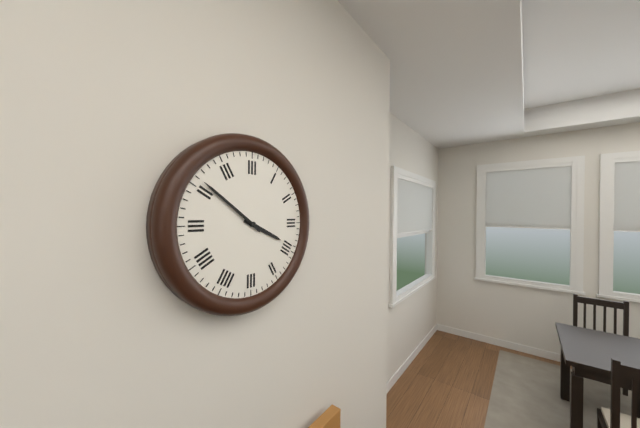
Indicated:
3.51
